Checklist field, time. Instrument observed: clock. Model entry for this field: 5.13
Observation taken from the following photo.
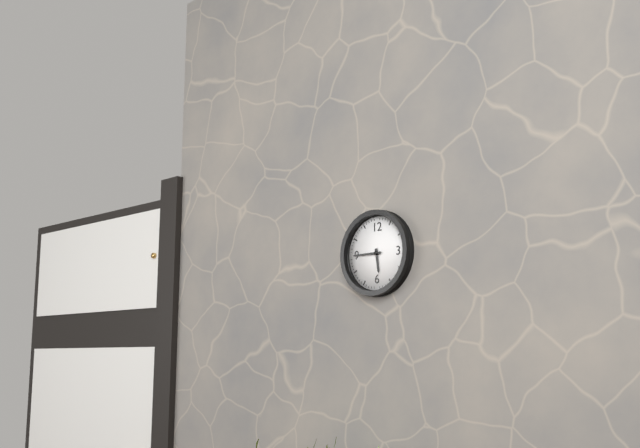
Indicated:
5.45
